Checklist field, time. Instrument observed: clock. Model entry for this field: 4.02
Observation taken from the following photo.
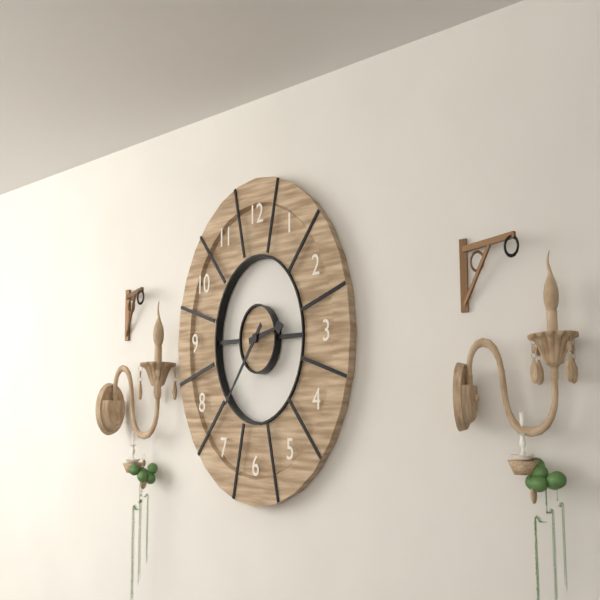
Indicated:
2.37
